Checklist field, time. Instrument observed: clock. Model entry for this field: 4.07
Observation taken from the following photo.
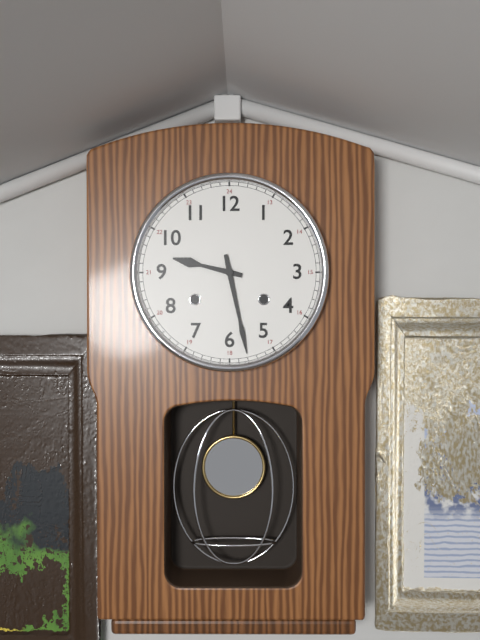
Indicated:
9.28
